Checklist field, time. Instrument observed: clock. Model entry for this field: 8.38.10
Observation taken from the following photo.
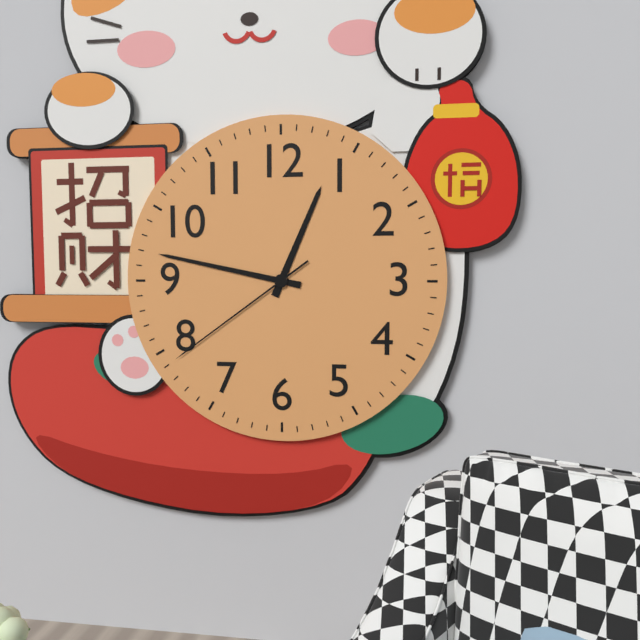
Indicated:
12.47.39
